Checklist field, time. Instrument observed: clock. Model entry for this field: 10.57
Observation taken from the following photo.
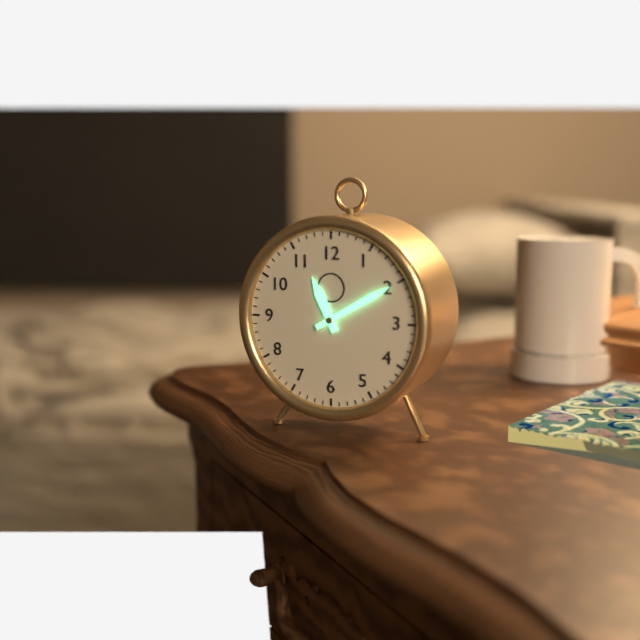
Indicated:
11.10
